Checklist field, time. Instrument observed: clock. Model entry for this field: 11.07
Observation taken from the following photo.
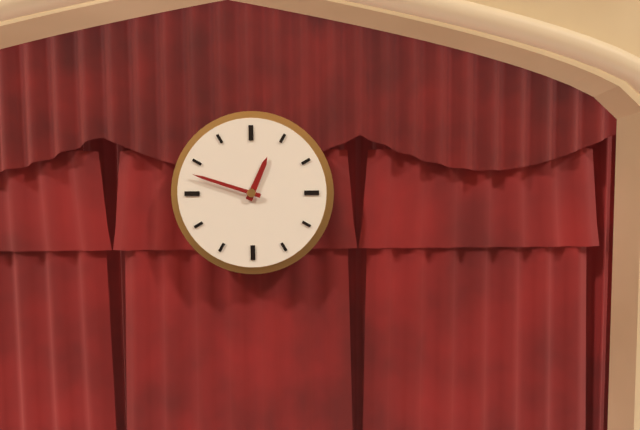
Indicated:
12.48
